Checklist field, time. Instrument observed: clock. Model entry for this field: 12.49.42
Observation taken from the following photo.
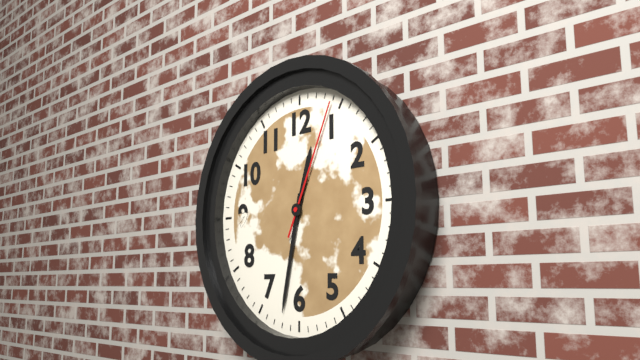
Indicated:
12.32.04
